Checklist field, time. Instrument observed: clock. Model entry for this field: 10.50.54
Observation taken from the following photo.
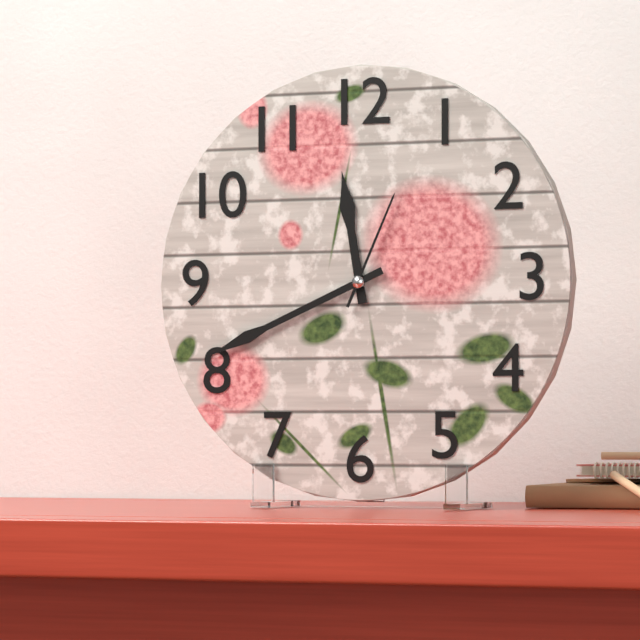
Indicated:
11.41.04
